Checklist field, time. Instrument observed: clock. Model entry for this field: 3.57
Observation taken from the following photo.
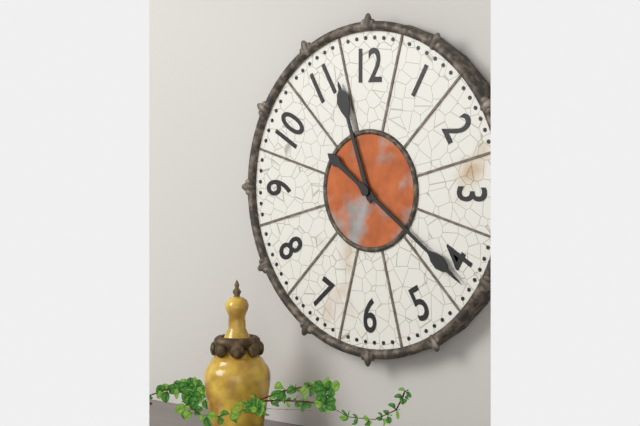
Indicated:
11.21
